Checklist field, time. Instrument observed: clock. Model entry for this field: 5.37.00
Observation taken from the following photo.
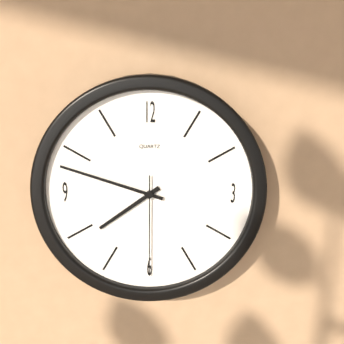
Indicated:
7.48.30
